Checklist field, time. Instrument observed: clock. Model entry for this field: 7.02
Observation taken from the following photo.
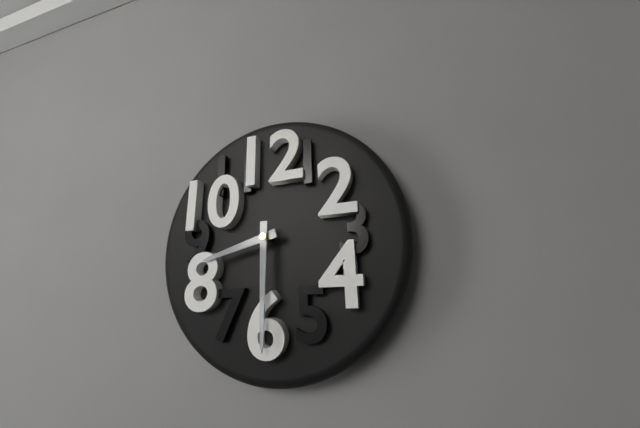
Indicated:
8.30
